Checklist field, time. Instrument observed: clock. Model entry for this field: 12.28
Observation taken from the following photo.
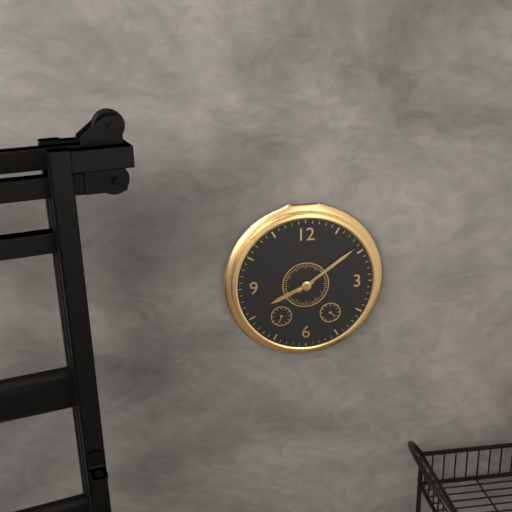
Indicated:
8.09
